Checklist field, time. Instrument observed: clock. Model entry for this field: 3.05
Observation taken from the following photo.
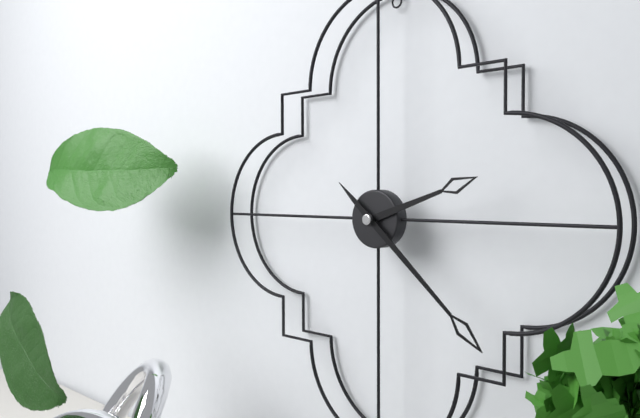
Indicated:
2.22
